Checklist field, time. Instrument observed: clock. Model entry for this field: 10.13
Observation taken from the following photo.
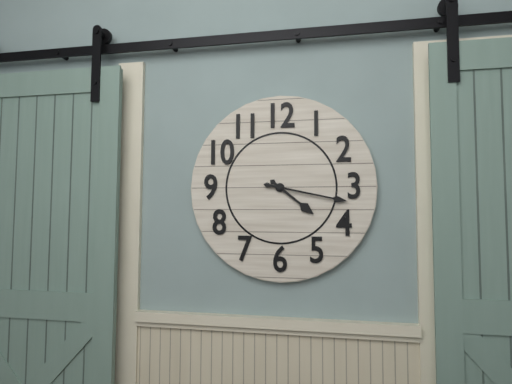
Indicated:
4.17
